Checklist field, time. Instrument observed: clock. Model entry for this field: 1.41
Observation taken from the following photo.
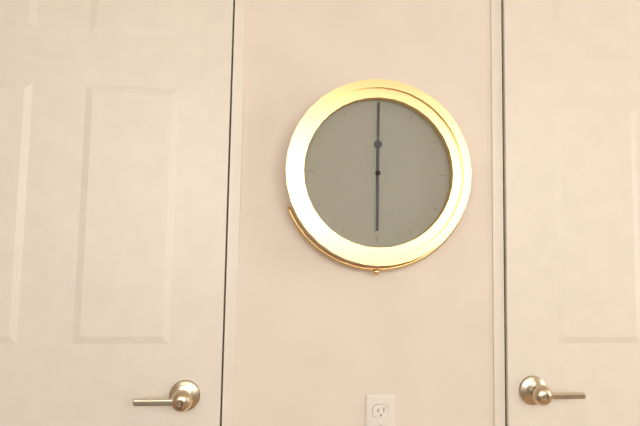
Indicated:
6.00
